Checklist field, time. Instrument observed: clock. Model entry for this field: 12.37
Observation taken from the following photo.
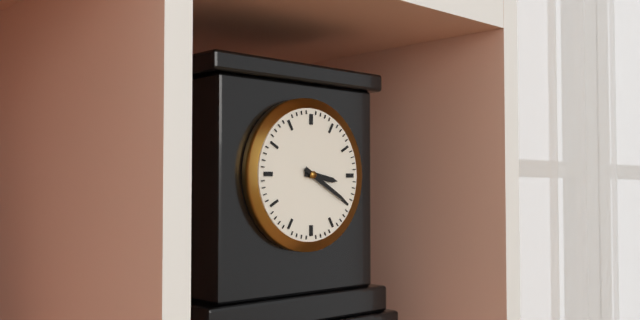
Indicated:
3.20
